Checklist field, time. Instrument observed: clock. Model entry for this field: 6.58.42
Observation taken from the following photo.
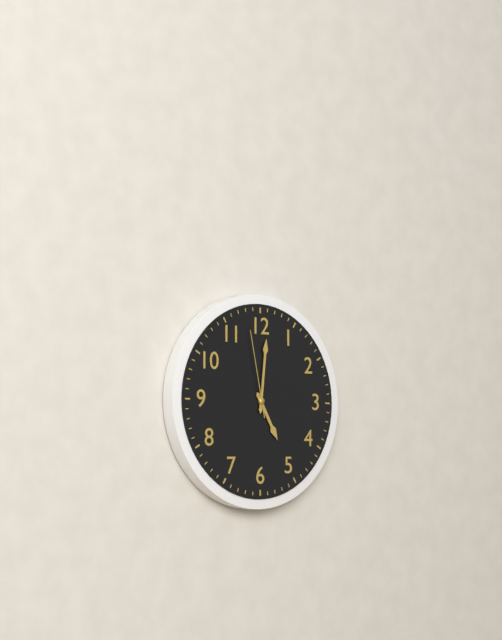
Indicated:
5.01.58
